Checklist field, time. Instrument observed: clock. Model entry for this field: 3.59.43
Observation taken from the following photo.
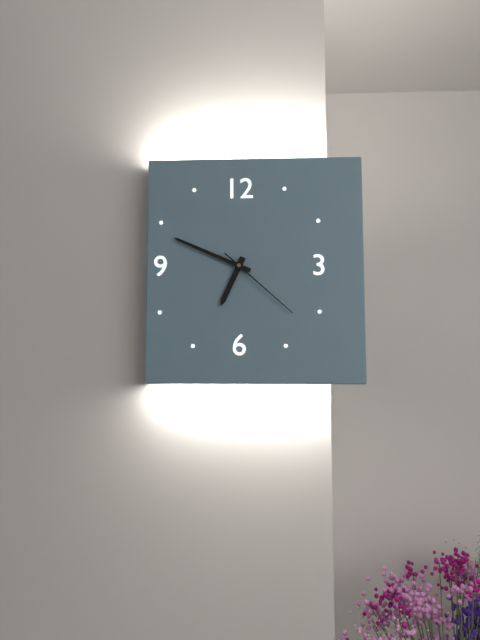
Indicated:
6.49.22
